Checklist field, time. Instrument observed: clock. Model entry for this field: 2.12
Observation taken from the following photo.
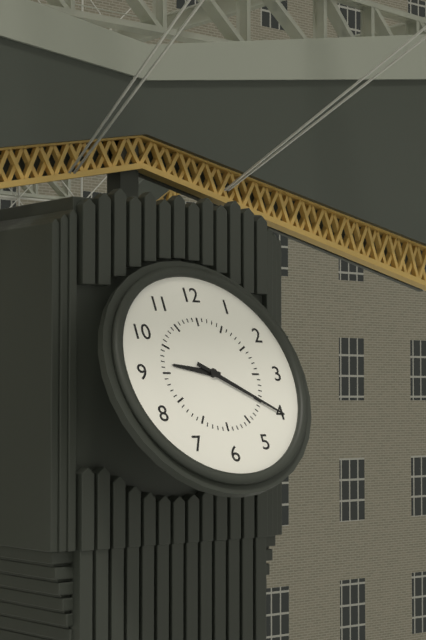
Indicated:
9.20
